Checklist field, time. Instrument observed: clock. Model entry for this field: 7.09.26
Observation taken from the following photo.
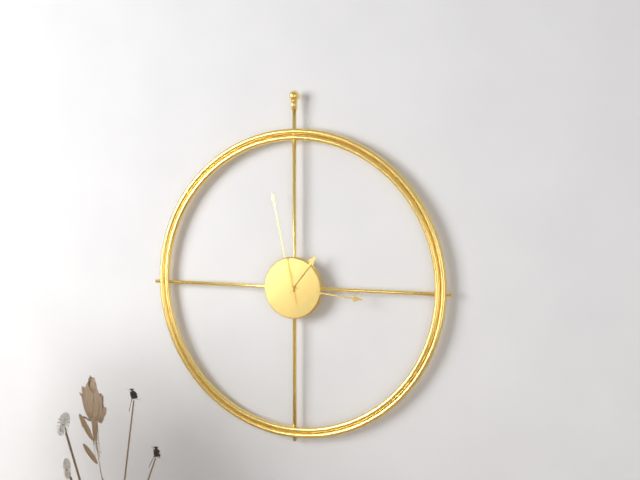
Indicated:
1.16.58
